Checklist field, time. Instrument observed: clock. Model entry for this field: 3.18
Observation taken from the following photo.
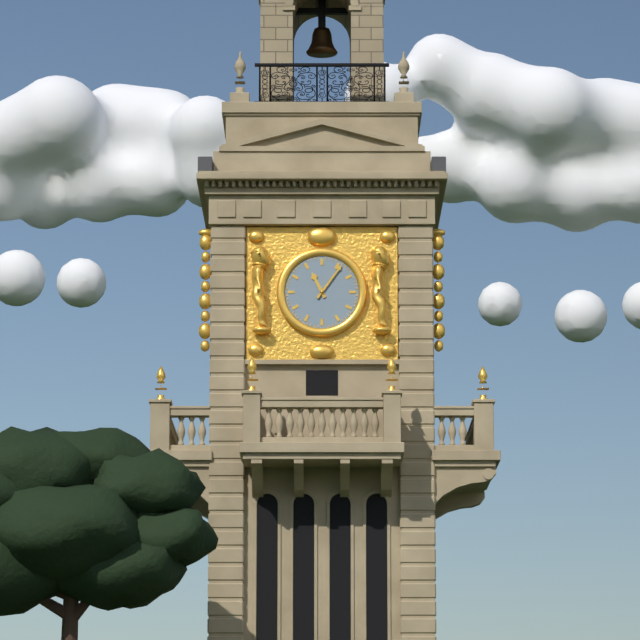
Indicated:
11.06
